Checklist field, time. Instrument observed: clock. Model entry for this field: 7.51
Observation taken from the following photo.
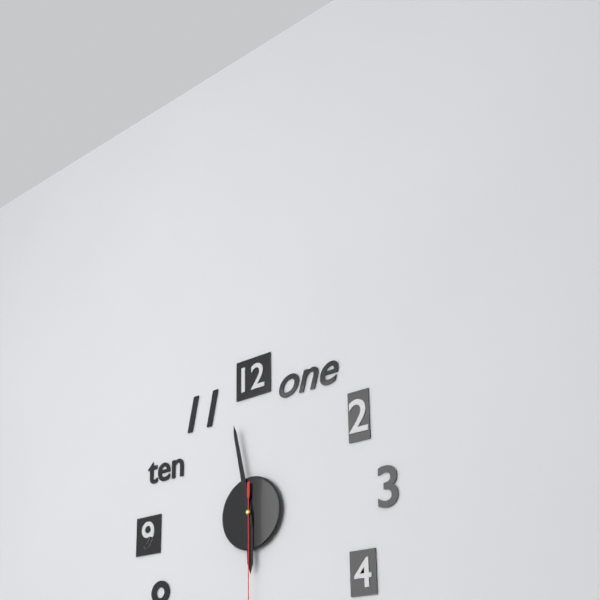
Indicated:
5.58
